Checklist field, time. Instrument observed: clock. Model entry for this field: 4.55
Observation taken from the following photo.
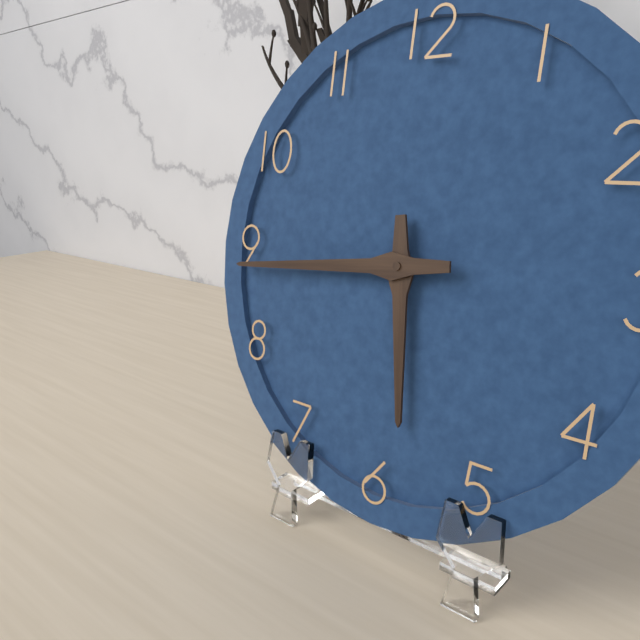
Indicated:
5.44
